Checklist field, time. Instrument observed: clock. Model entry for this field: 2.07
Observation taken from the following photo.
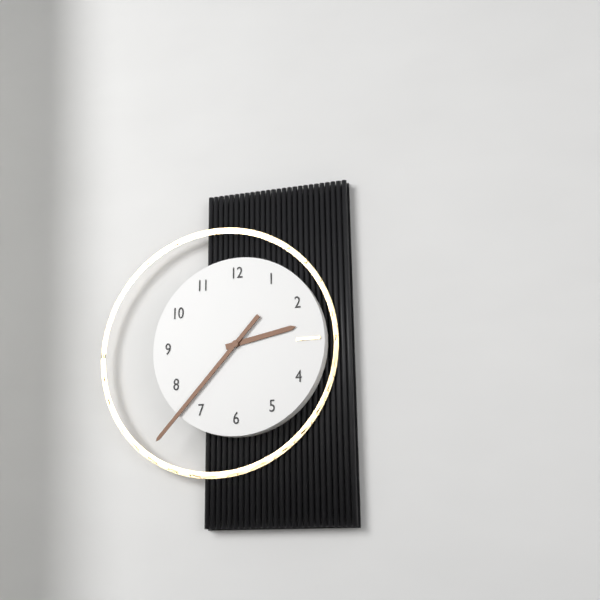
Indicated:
2.37
